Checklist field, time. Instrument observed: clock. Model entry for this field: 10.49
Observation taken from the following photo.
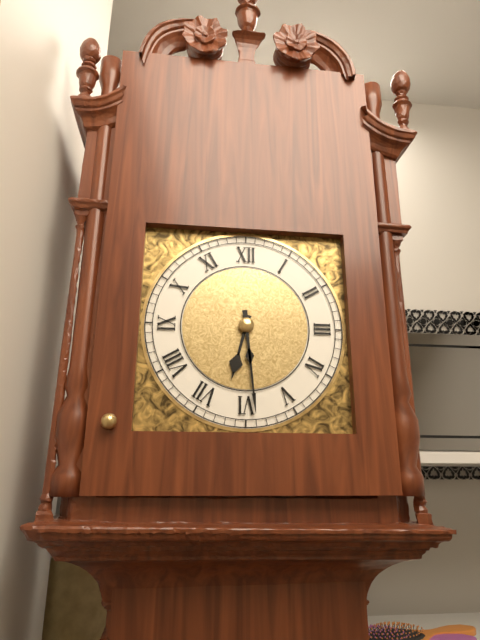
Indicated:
6.29
